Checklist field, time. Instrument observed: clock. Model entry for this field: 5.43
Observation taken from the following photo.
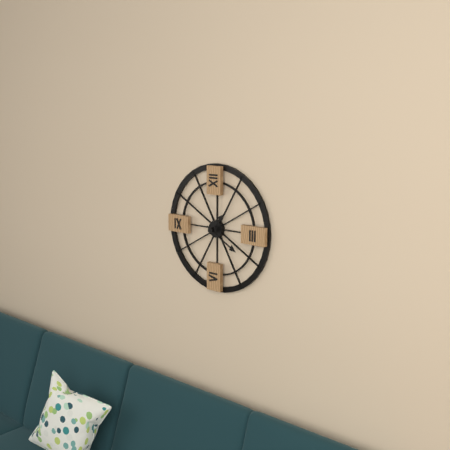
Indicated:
1.20
